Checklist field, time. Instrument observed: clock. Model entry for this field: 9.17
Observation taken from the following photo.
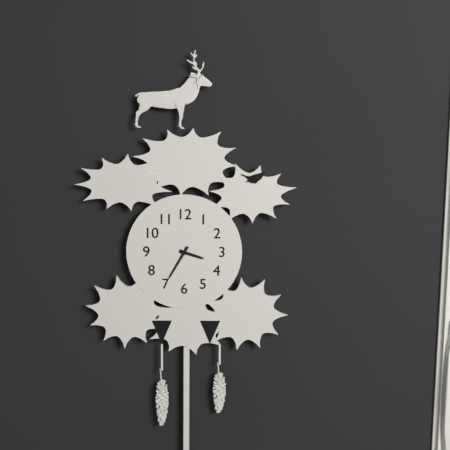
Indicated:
3.35
